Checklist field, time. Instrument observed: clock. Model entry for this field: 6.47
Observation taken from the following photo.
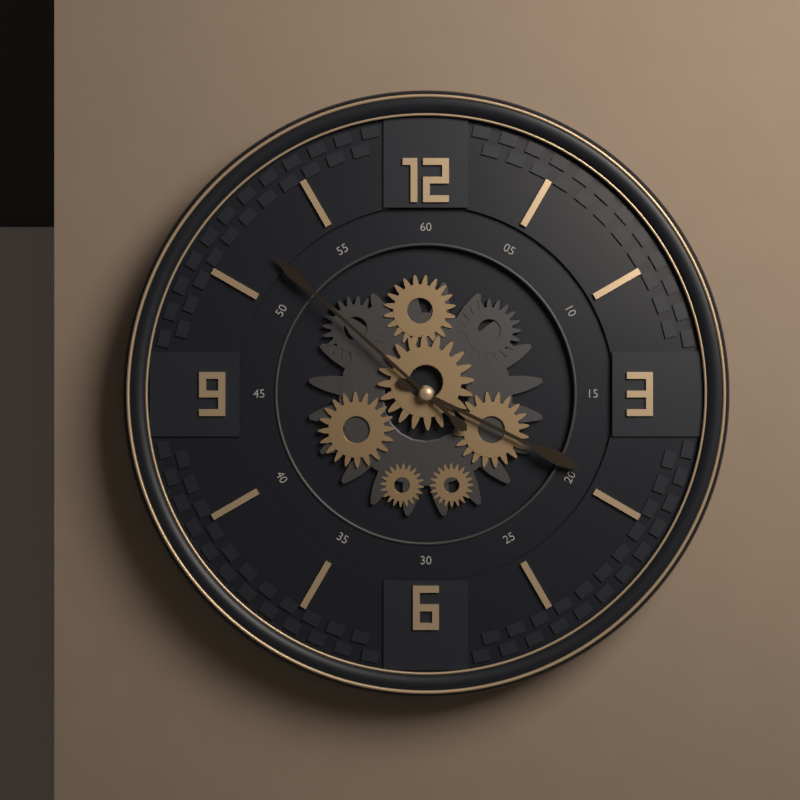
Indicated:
3.52
